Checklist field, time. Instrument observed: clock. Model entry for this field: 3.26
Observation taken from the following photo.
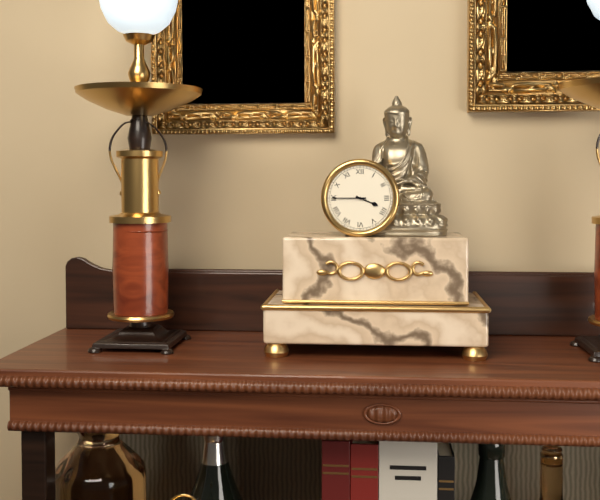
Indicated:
3.45
